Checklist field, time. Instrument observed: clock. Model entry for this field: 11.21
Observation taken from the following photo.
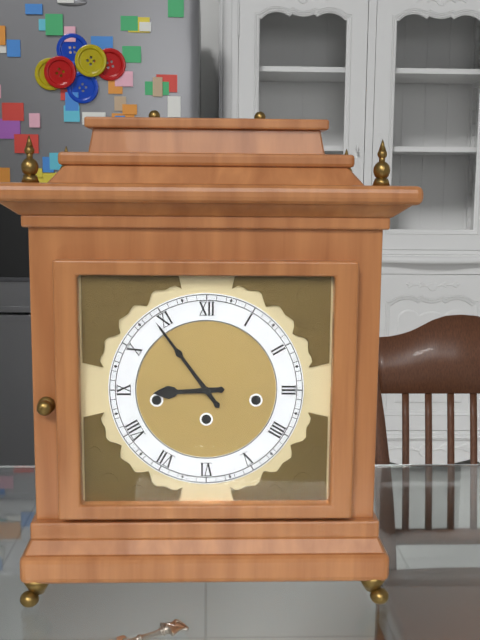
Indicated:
8.54
